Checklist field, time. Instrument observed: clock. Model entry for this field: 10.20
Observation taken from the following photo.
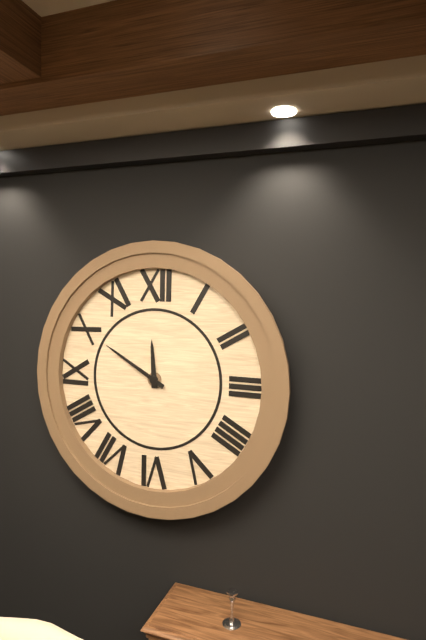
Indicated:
11.50
